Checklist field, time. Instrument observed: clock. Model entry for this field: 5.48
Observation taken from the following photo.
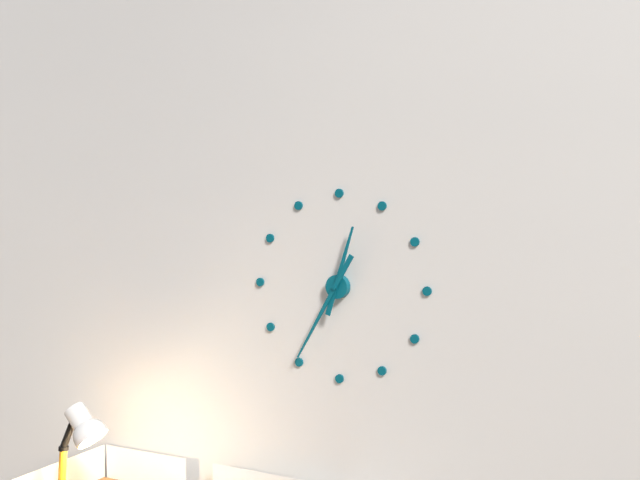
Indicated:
12.35
